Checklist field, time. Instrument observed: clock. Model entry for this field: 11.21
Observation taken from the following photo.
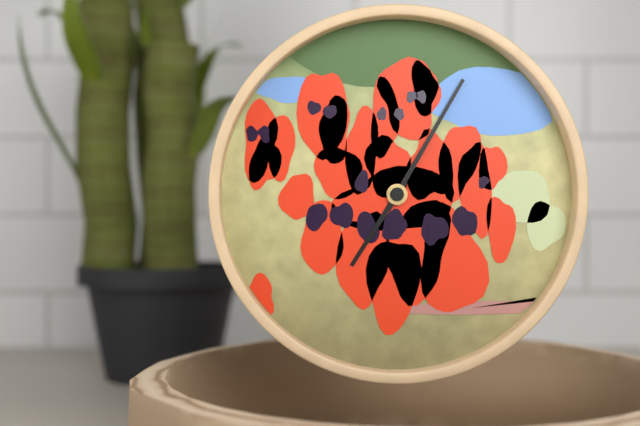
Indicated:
7.05
